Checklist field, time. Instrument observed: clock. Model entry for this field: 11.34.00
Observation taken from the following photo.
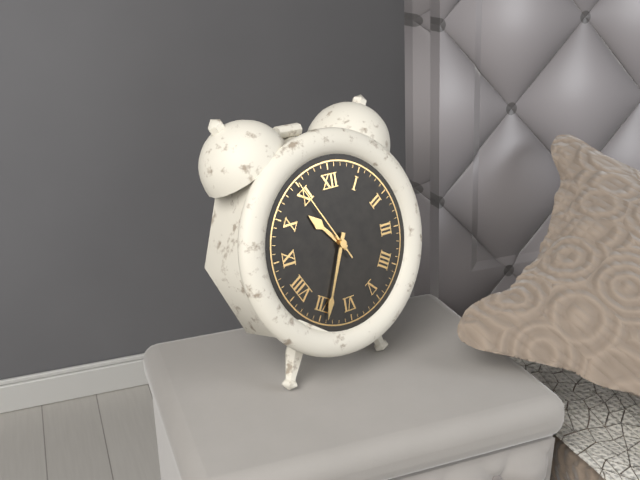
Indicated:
10.34.55
